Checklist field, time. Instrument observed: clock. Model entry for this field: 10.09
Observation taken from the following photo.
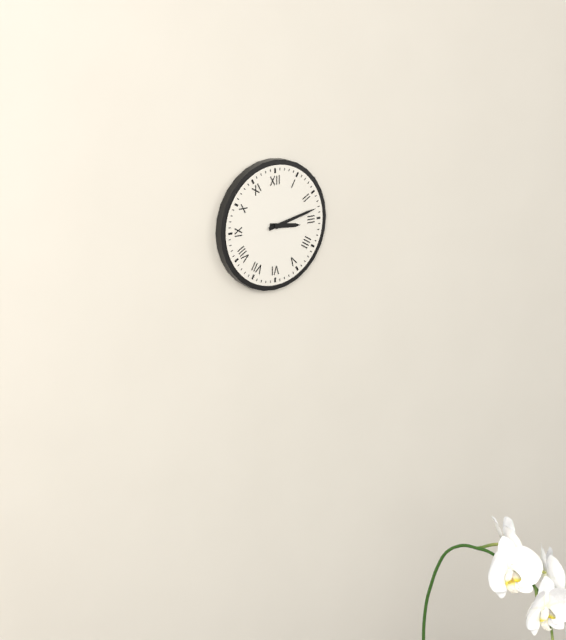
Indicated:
3.13
